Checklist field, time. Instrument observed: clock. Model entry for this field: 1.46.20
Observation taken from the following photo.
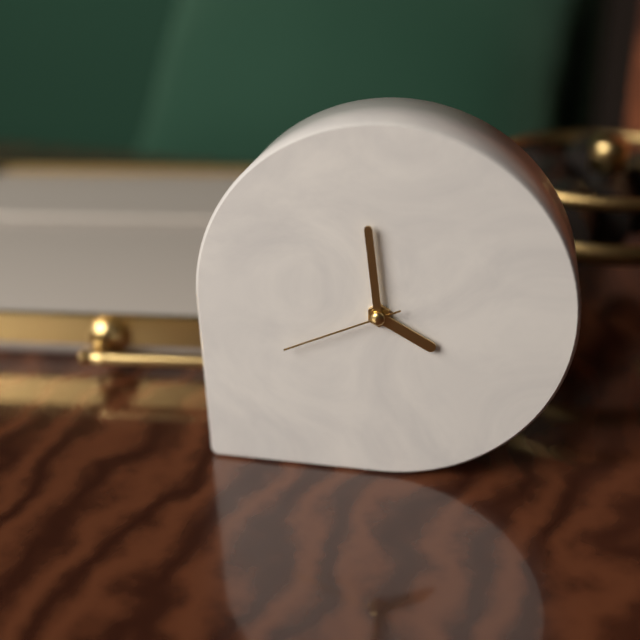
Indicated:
3.59.41
